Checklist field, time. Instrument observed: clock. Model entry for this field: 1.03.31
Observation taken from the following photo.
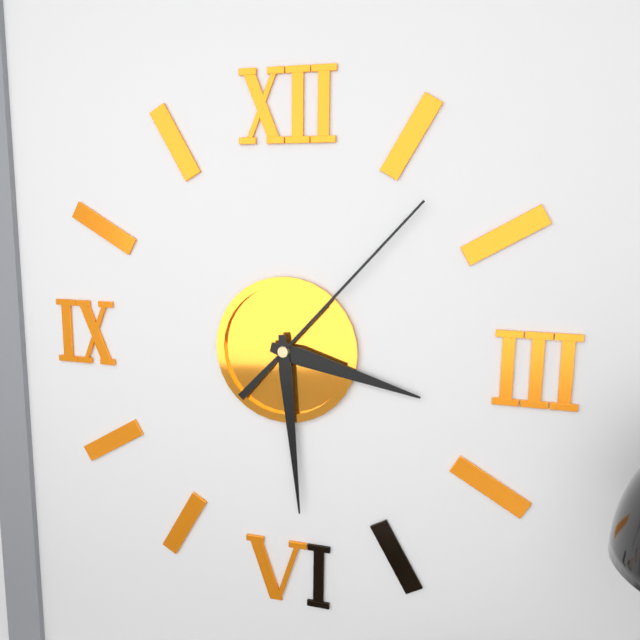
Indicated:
3.29.07
